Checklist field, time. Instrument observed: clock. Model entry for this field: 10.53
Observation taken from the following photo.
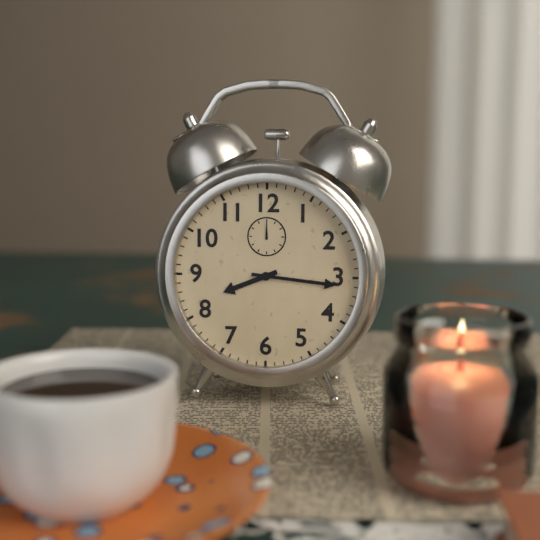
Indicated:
8.16
